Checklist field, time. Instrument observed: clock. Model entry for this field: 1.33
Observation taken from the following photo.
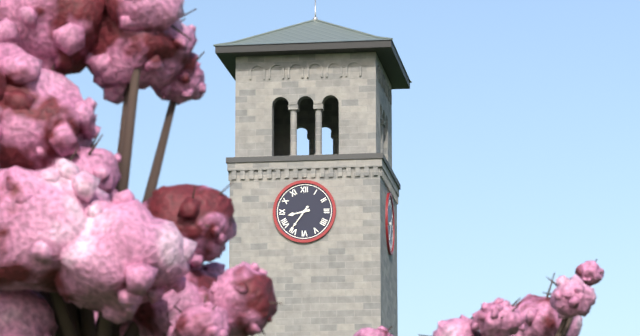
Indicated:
8.36
